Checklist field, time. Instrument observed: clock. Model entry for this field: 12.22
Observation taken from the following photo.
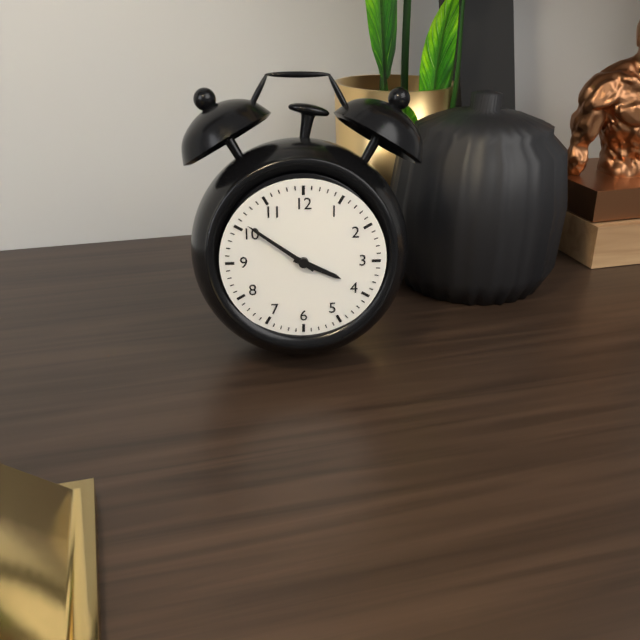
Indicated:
3.51
